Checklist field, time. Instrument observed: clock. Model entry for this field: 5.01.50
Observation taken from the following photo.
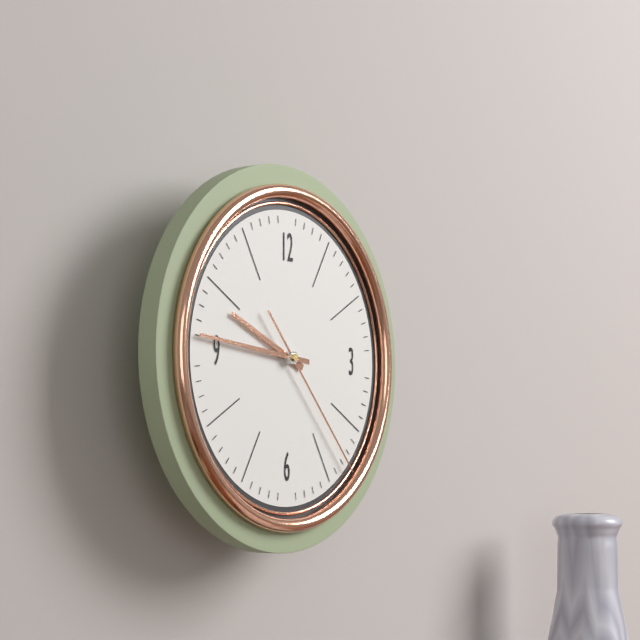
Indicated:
9.46.23
